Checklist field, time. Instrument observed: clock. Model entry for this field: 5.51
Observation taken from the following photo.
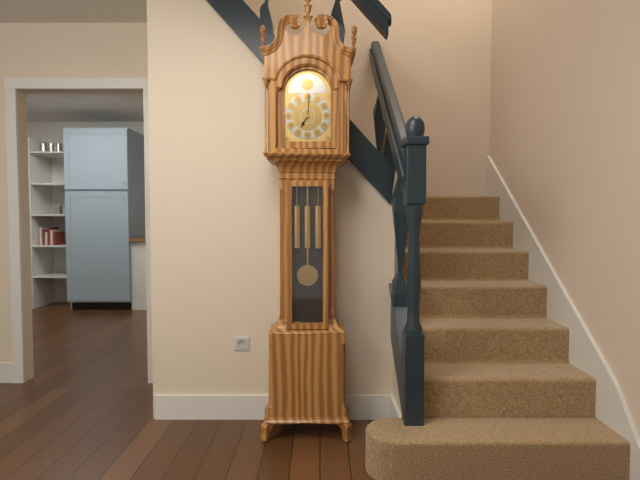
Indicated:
7.01
